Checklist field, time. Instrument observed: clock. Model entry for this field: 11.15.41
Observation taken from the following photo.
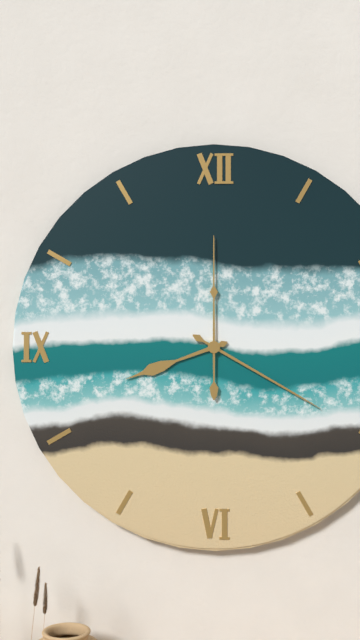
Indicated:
8.20.00
